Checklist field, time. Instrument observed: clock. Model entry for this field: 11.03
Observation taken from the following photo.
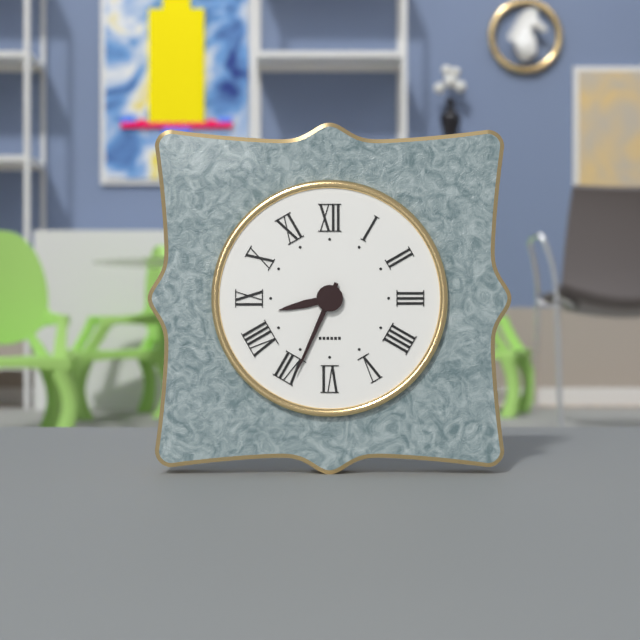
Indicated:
8.34
